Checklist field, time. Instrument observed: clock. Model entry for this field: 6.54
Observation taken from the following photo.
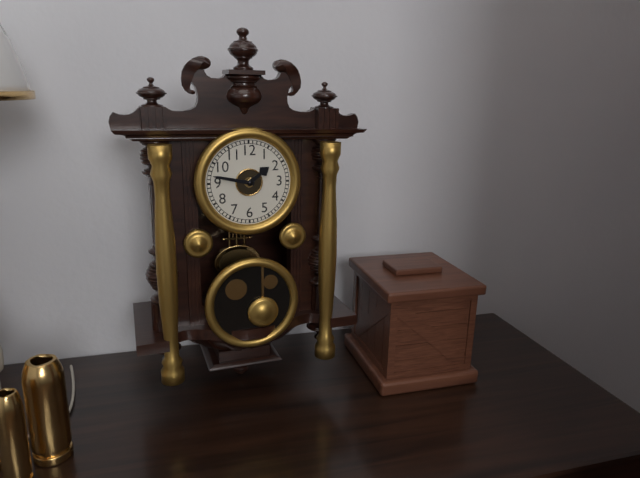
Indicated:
1.47
